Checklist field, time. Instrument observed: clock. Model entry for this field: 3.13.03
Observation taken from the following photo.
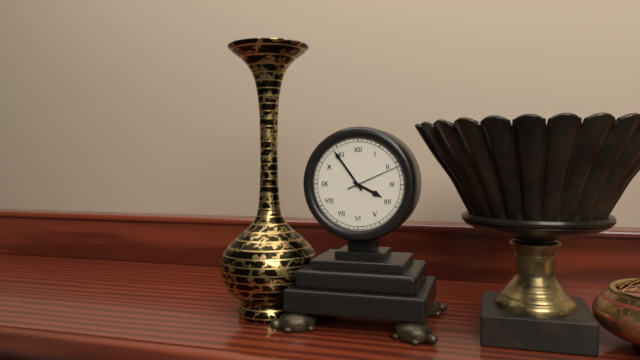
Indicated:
3.54.11
